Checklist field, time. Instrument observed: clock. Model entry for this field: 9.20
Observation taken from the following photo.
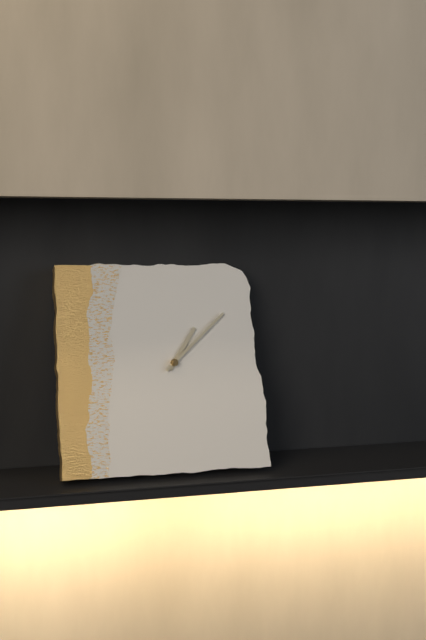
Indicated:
1.08
